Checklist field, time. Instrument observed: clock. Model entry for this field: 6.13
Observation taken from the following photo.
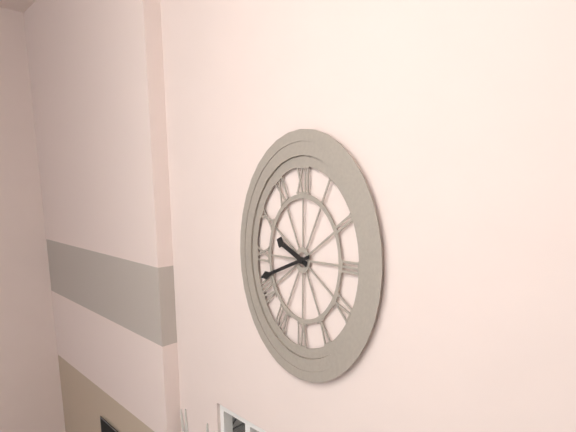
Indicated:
9.42
